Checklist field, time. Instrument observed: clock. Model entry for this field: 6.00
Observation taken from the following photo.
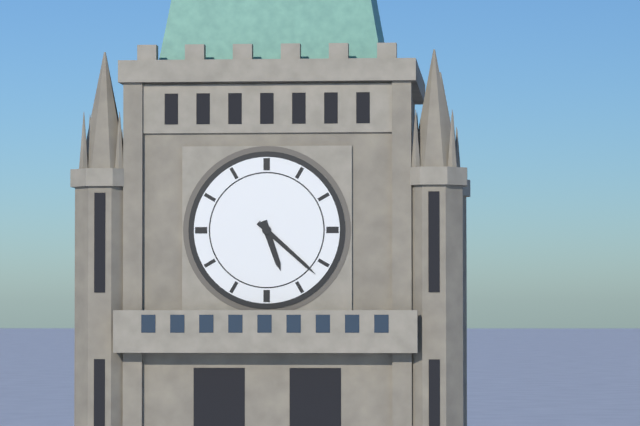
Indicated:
5.22
